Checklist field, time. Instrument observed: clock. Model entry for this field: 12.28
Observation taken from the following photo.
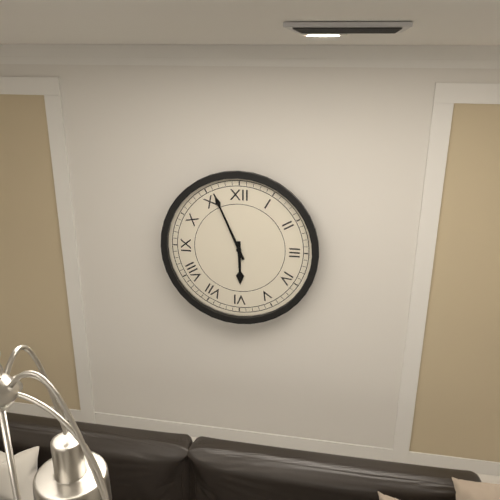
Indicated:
5.56
